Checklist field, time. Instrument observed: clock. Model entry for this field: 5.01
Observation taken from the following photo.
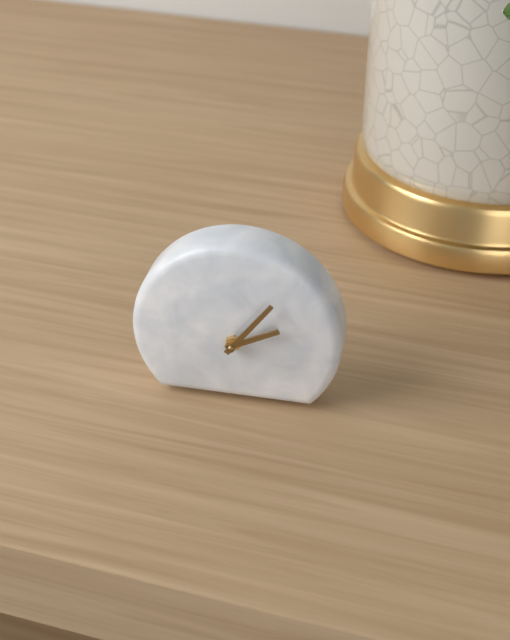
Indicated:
2.06
